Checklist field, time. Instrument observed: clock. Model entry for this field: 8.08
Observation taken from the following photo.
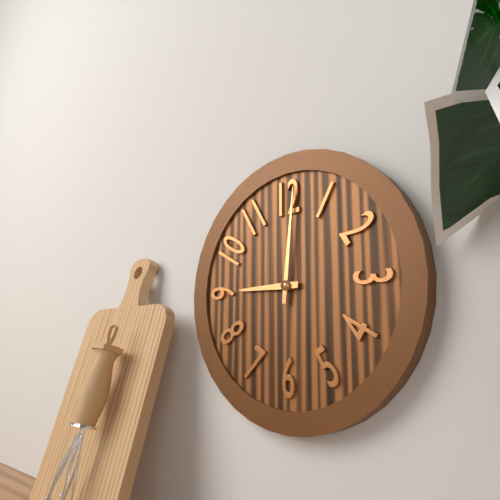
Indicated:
9.01
